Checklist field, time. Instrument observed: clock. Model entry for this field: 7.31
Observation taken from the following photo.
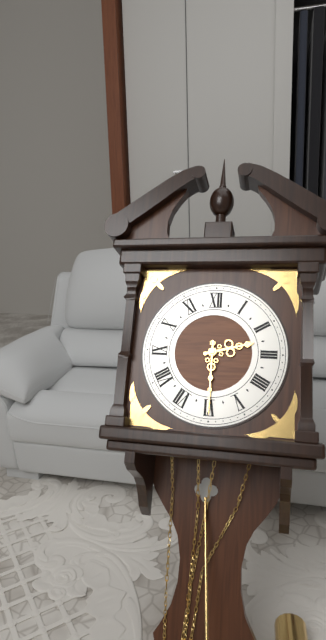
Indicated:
2.30
